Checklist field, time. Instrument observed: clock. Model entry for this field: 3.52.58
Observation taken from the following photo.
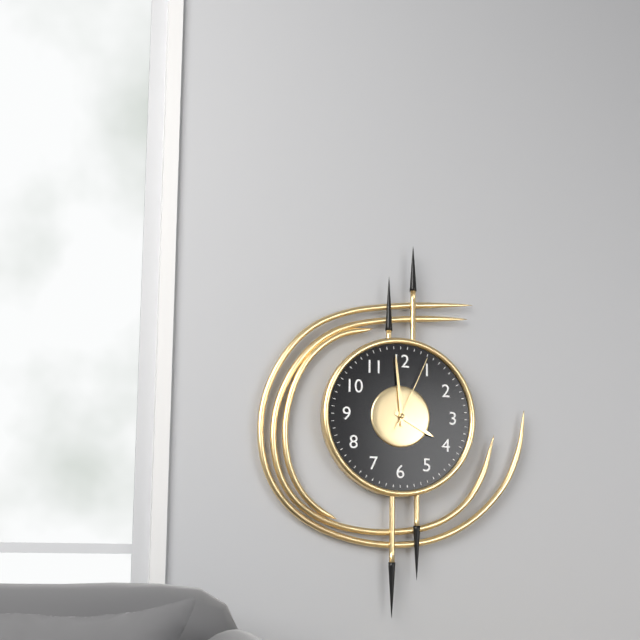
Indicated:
3.59.04
